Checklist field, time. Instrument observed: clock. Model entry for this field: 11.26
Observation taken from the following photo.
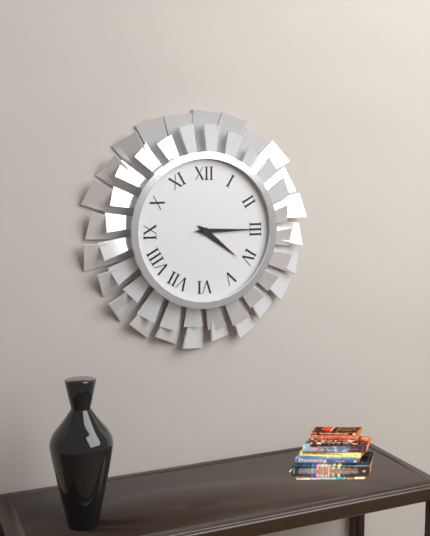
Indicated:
4.15
